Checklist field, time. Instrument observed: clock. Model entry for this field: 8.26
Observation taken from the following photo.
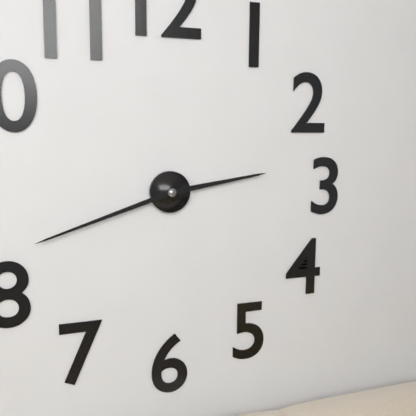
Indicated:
2.42
